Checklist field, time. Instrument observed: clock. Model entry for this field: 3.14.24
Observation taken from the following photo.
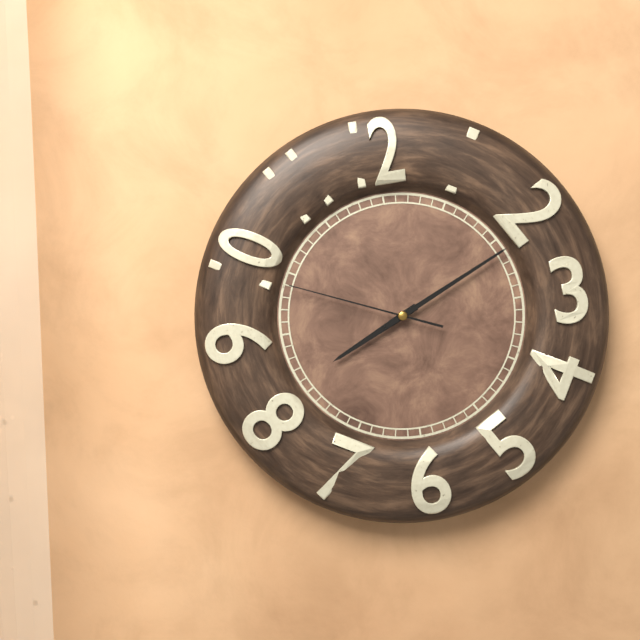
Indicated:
8.11.49
